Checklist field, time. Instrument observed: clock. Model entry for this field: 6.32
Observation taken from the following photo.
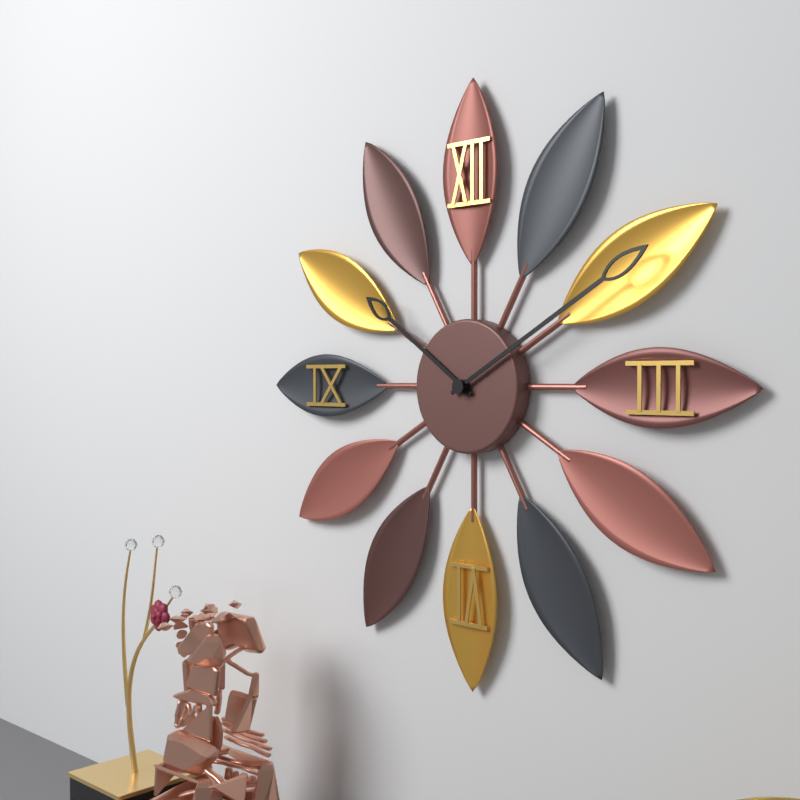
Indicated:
10.10
